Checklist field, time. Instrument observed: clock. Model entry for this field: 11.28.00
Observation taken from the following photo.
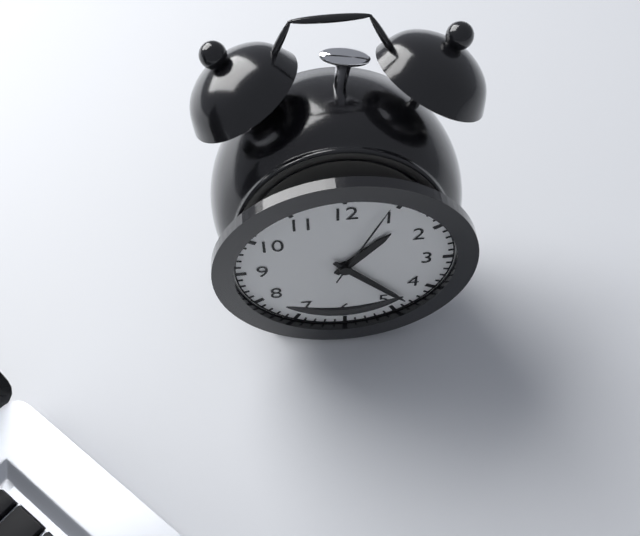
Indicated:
1.23.04
